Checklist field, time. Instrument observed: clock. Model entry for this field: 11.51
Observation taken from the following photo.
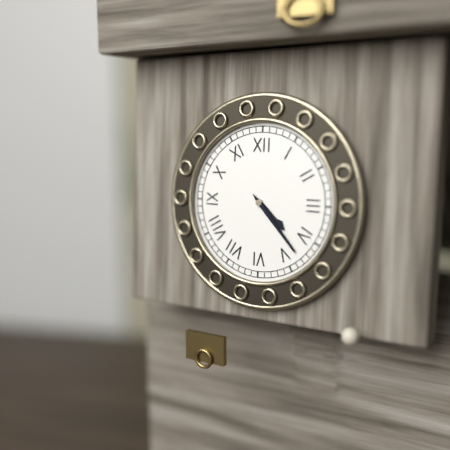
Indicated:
4.23
